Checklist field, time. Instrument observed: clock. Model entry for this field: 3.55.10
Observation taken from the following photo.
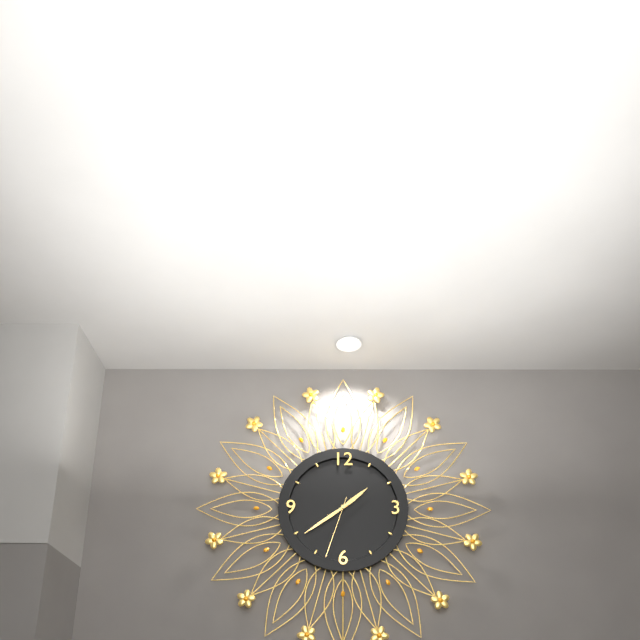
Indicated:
1.39.33
